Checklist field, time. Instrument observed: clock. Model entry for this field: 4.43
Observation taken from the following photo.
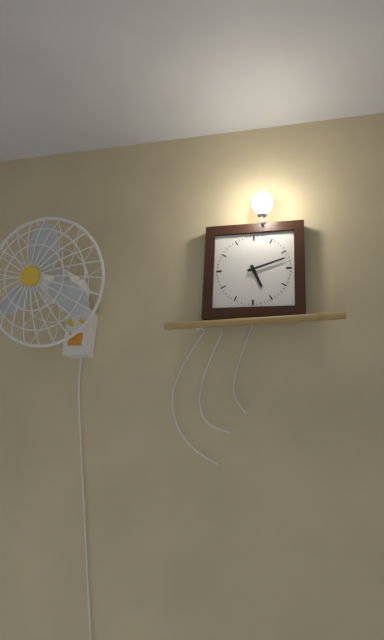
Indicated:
5.12
